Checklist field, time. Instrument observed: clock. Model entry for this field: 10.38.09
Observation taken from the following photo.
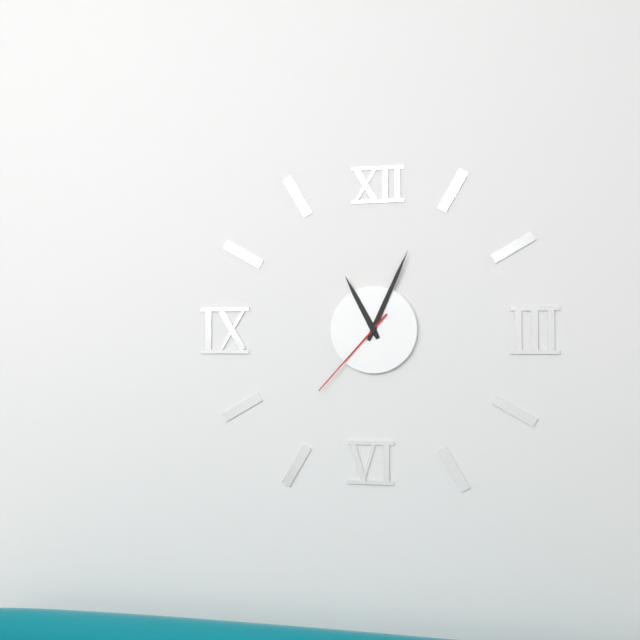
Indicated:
11.04.37
